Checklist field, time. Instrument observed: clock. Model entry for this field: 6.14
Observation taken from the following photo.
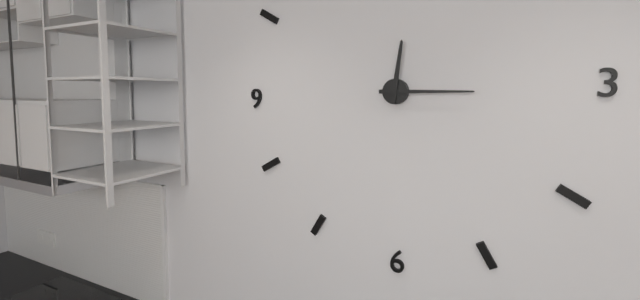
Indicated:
12.15
